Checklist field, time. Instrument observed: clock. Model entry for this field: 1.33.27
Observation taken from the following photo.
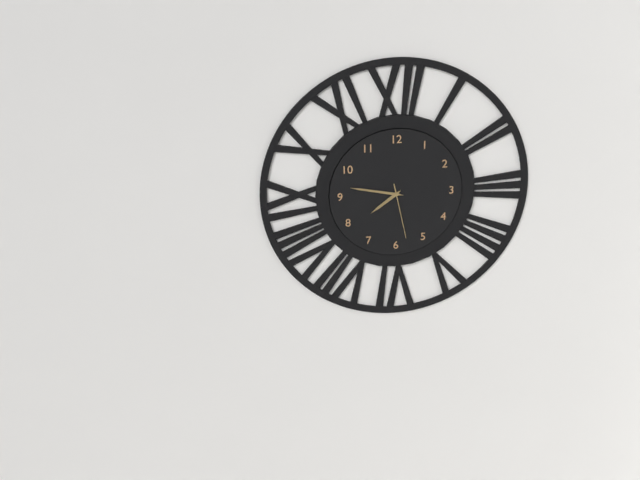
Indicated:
7.47.28
